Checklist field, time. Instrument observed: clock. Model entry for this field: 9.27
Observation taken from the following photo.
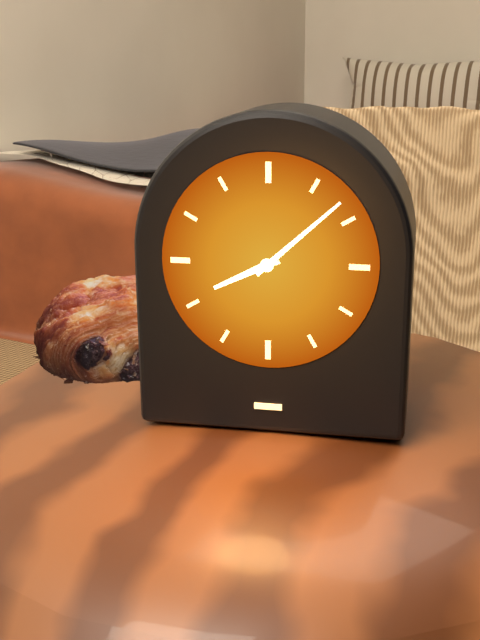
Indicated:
8.08
